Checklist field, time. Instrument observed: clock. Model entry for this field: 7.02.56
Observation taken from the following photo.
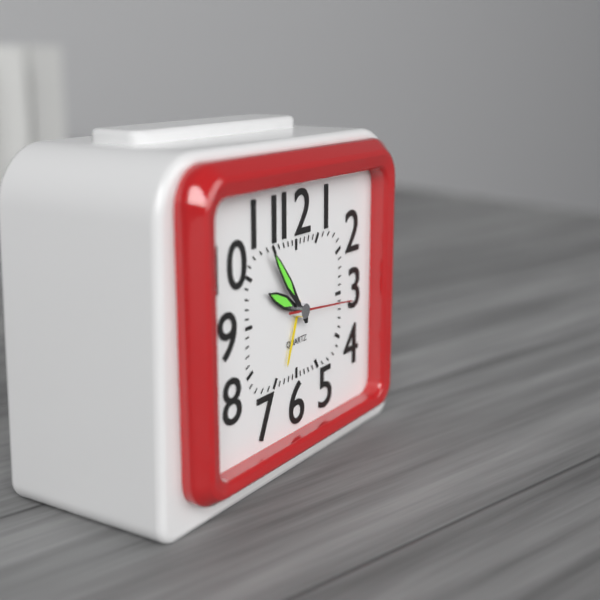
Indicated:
9.54.16
